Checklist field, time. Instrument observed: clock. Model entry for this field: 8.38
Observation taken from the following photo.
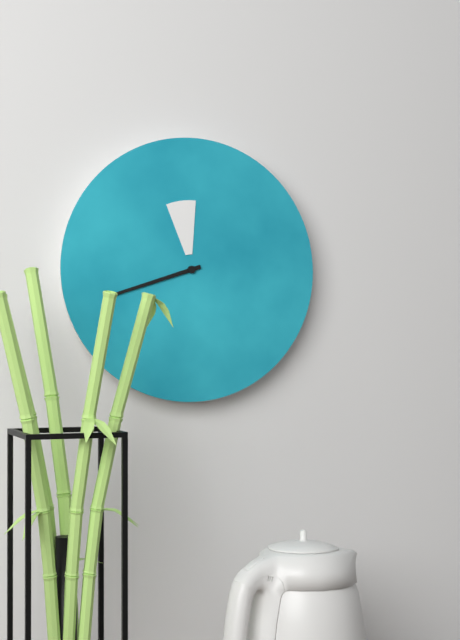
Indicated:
11.42
